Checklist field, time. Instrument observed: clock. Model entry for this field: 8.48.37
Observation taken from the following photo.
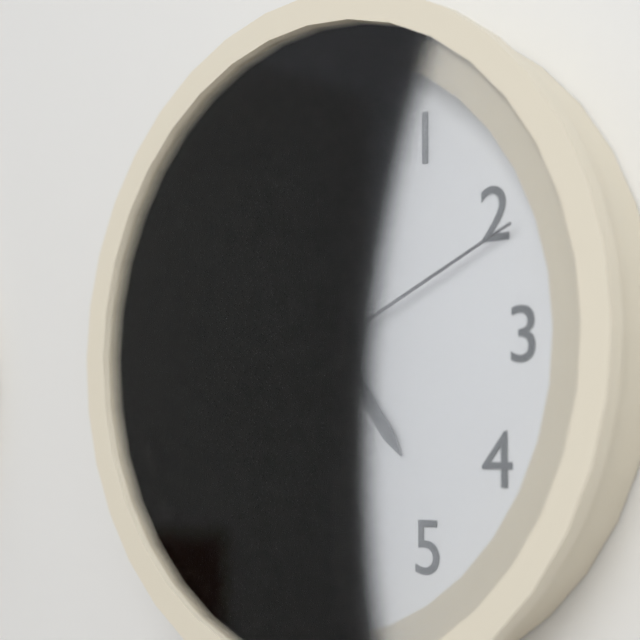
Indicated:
4.44.11
